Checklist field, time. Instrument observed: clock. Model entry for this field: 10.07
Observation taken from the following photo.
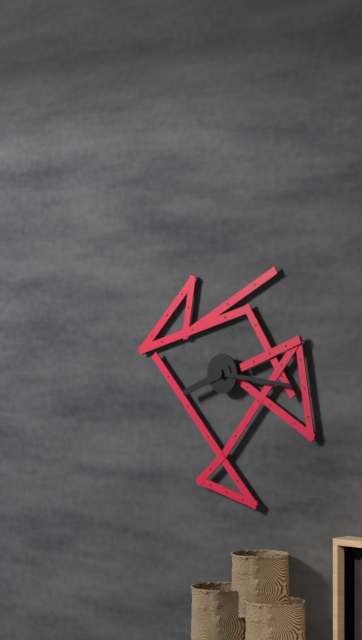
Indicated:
8.16
